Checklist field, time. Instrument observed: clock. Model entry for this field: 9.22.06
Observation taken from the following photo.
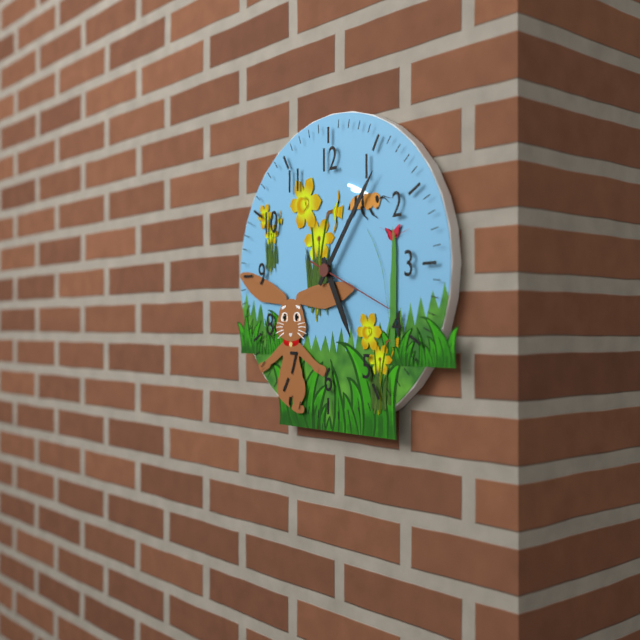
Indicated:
5.06.19
